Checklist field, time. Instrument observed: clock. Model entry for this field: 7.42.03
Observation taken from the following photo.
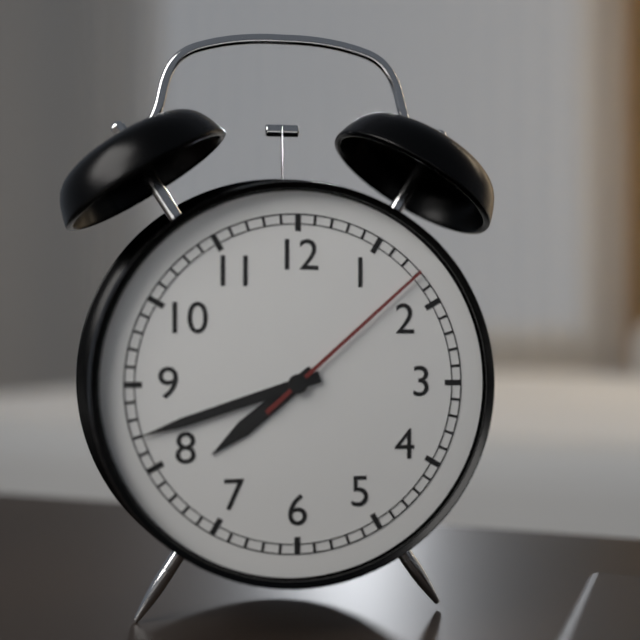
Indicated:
7.42.08
